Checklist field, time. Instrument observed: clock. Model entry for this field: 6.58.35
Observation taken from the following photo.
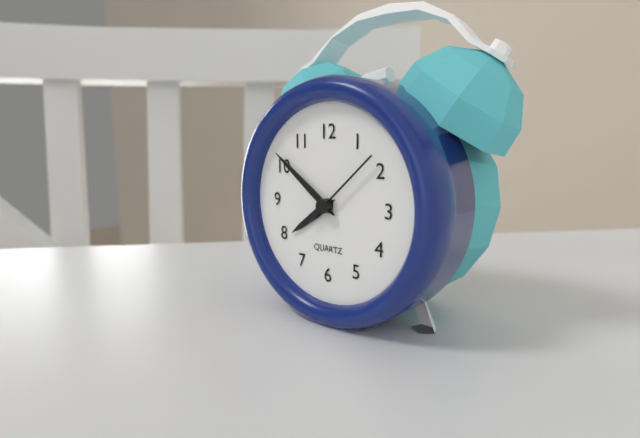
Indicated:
7.51.08
